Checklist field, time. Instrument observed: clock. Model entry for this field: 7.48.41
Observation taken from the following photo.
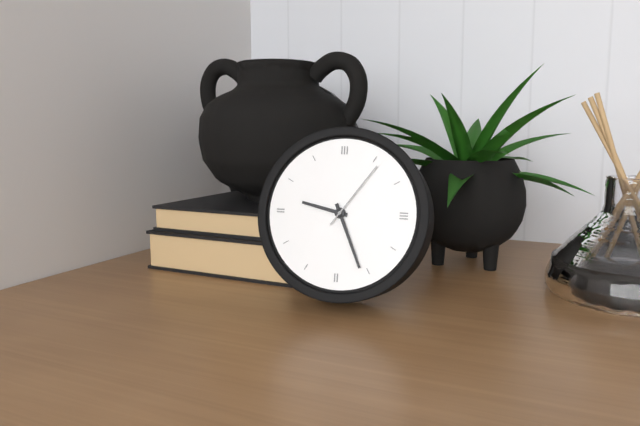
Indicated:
9.26.06
